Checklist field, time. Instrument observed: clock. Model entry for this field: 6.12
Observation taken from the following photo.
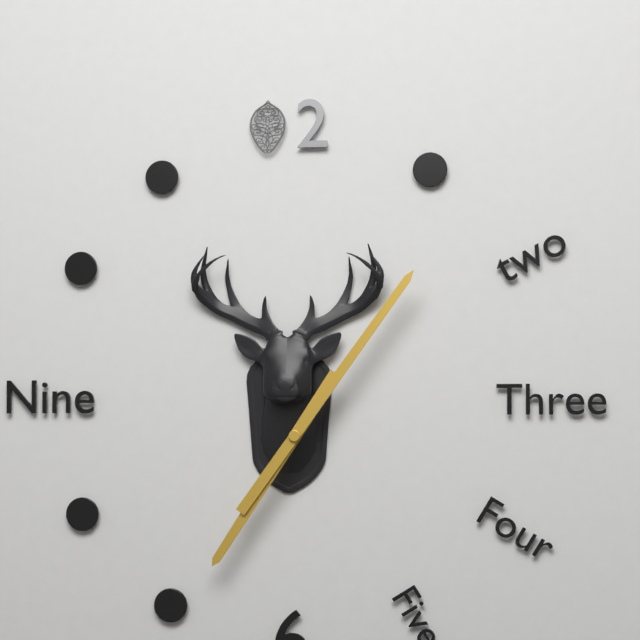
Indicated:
7.06
